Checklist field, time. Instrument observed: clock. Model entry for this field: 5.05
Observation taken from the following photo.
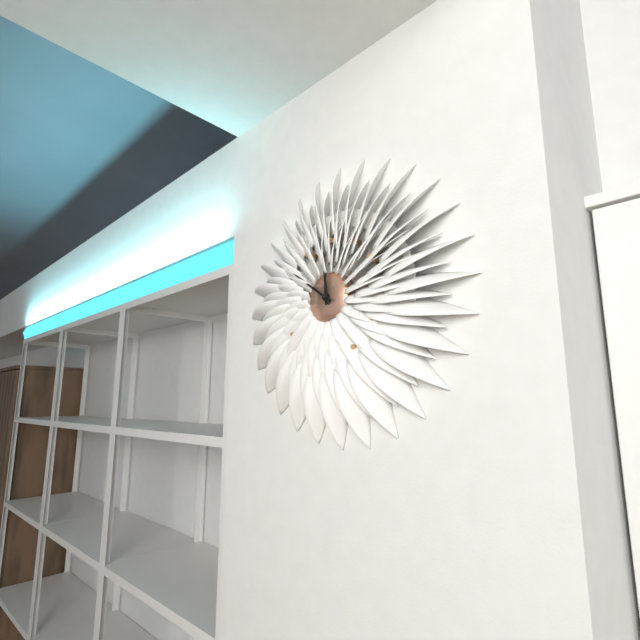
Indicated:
11.51
